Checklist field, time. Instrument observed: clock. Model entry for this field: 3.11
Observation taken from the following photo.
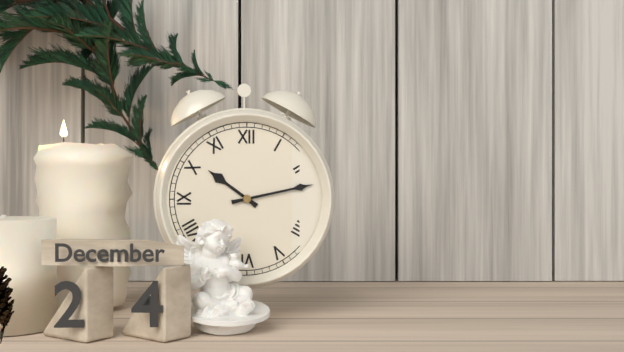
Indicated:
10.13
